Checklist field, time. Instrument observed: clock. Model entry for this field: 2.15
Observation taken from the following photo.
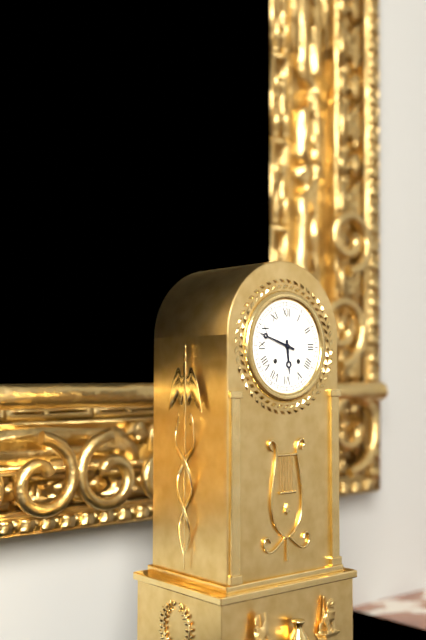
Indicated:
5.48
